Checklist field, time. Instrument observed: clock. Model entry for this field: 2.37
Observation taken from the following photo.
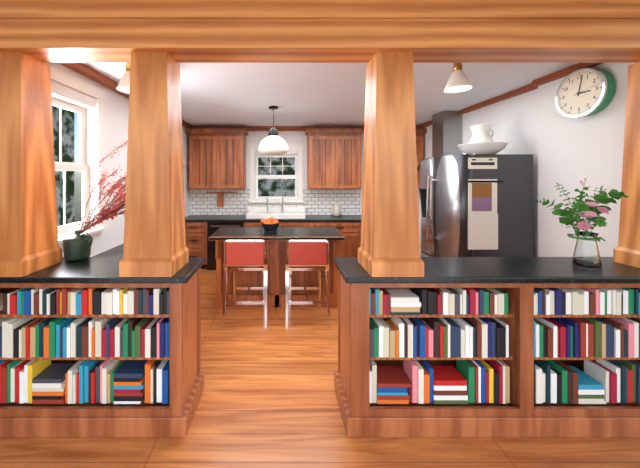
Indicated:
3.02
